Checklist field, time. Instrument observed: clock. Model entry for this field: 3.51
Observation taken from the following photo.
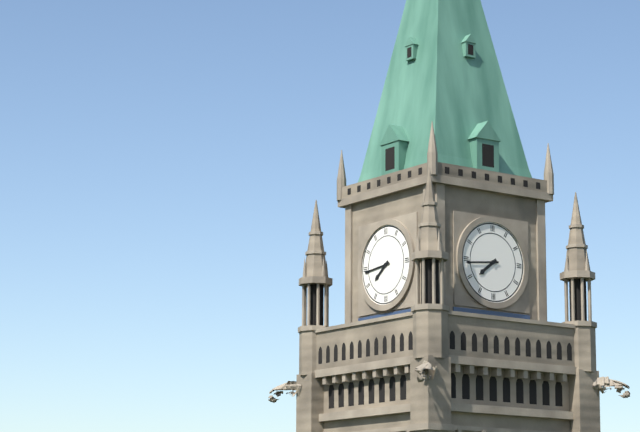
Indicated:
7.44
